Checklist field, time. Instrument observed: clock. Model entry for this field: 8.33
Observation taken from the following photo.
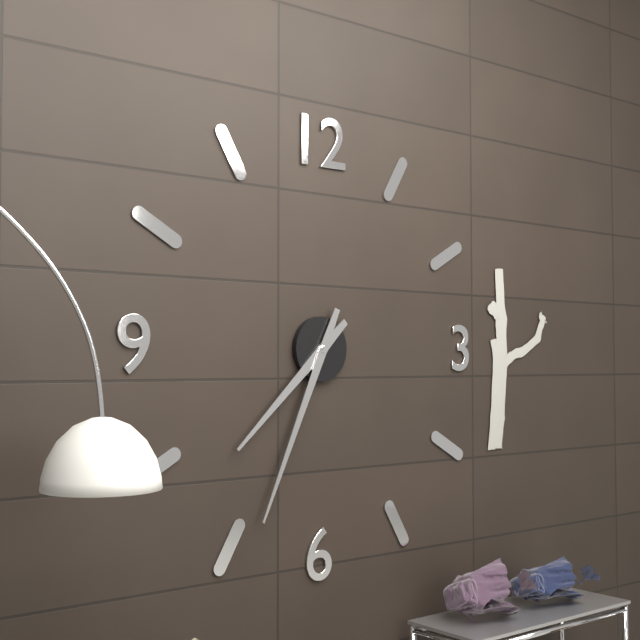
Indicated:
7.34
